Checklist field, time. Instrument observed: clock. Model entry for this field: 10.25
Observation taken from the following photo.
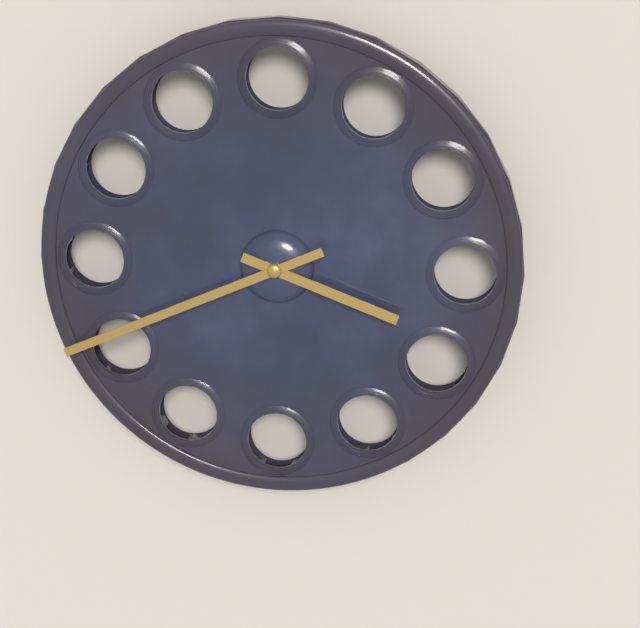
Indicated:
3.41
